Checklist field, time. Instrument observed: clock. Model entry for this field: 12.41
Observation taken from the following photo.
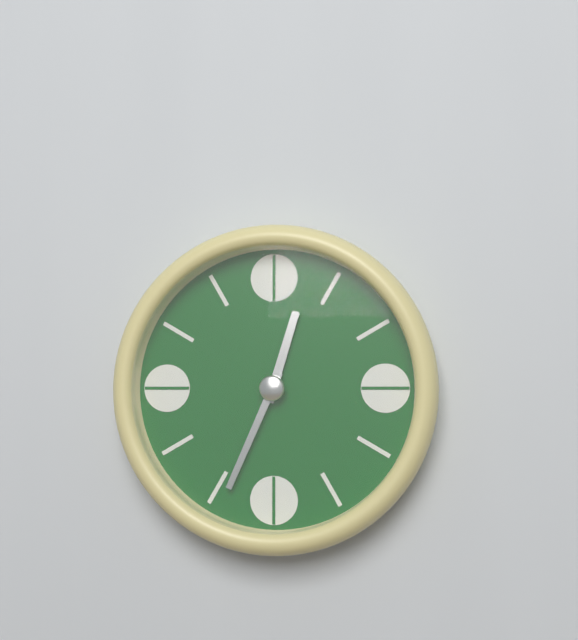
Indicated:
12.34
